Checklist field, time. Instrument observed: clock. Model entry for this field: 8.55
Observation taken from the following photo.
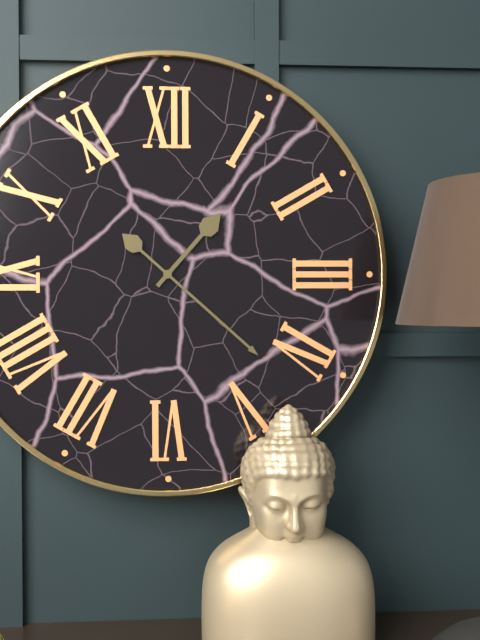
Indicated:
1.22
